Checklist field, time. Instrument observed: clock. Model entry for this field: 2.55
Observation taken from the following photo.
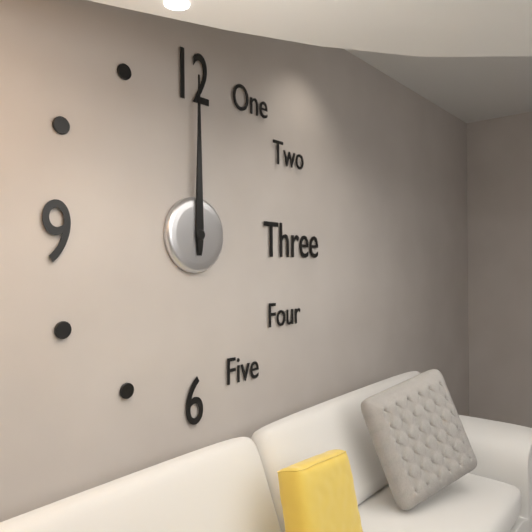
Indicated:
12.00
